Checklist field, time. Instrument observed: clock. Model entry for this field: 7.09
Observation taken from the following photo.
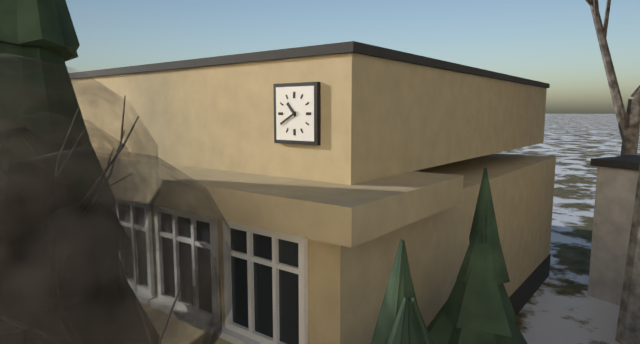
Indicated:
10.40
